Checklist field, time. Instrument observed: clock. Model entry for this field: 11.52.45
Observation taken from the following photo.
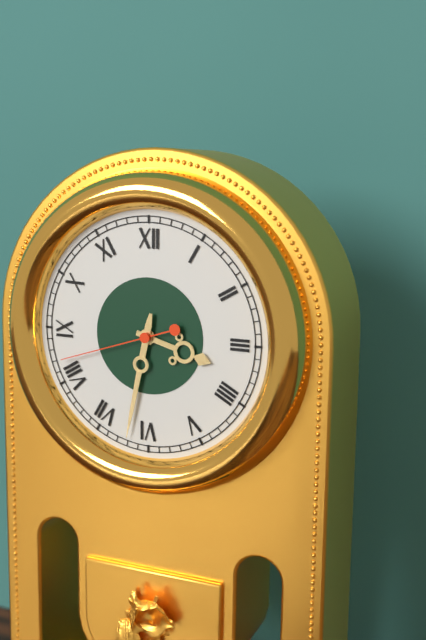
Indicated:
3.32.42
